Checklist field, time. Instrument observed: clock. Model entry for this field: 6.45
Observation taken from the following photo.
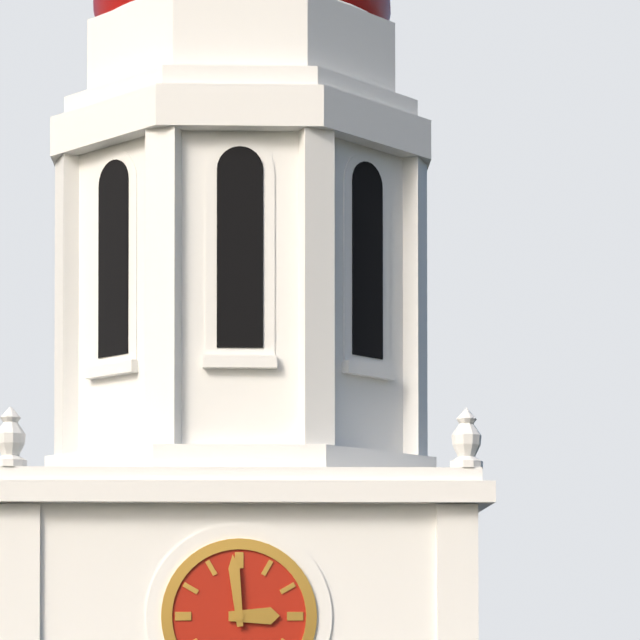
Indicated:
2.59
